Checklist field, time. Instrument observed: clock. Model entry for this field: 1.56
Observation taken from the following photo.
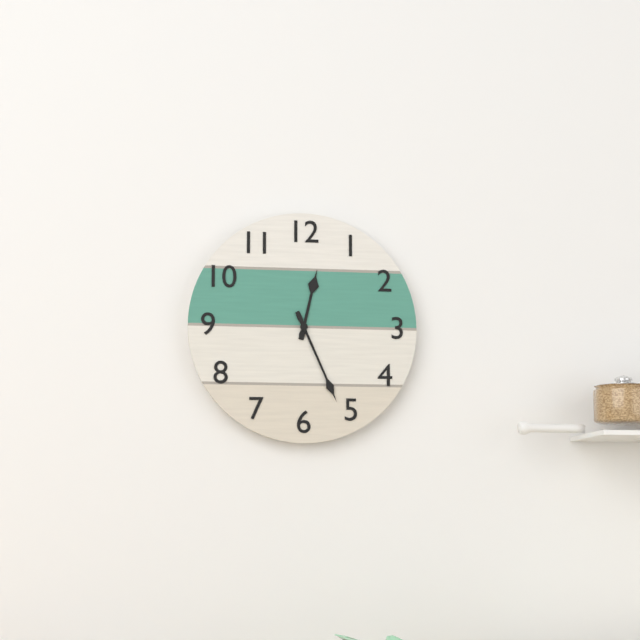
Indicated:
12.26
